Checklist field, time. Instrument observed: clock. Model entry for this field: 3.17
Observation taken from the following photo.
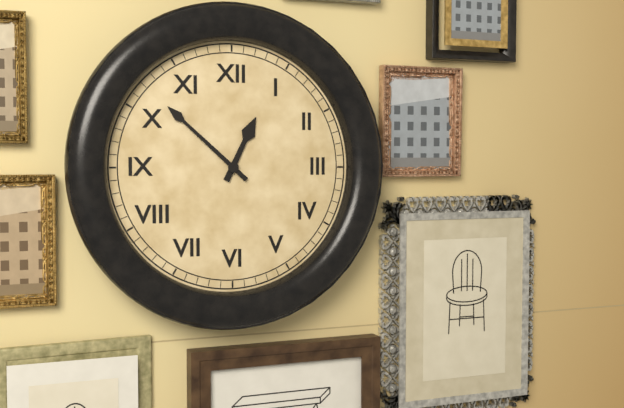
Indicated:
12.52
